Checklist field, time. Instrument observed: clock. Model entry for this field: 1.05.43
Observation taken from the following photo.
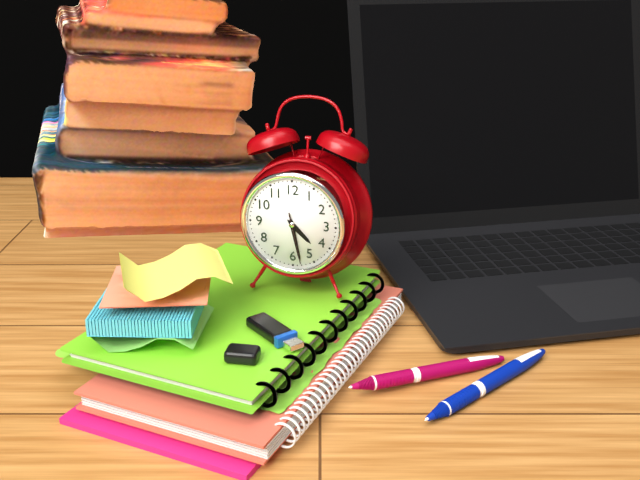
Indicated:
4.28.28
